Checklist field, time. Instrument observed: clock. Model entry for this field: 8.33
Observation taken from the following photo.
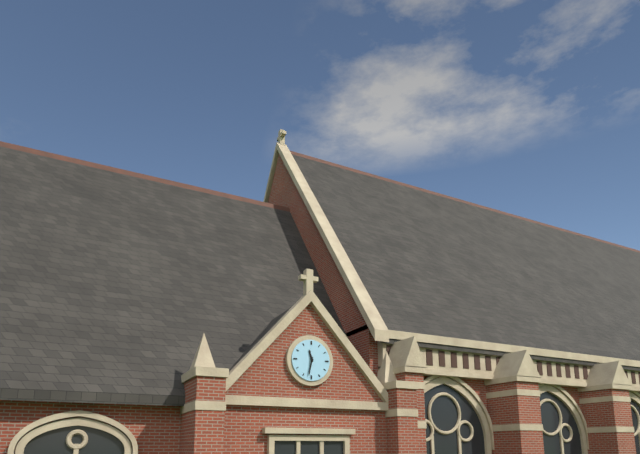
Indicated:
11.32
